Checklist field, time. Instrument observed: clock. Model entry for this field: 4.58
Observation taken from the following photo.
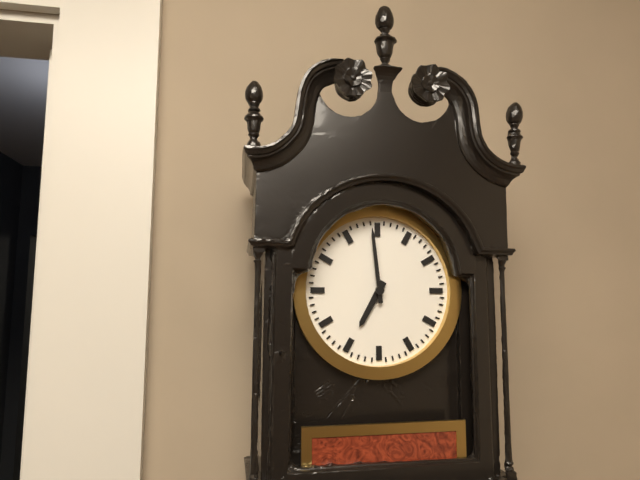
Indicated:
6.59
